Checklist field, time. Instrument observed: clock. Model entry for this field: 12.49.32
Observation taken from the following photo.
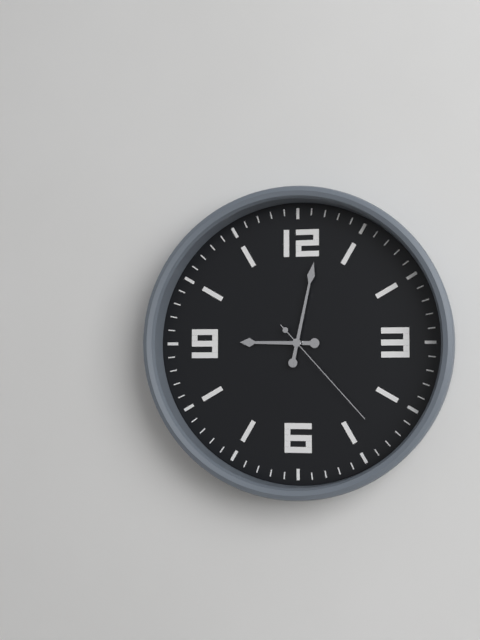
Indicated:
9.02.23
